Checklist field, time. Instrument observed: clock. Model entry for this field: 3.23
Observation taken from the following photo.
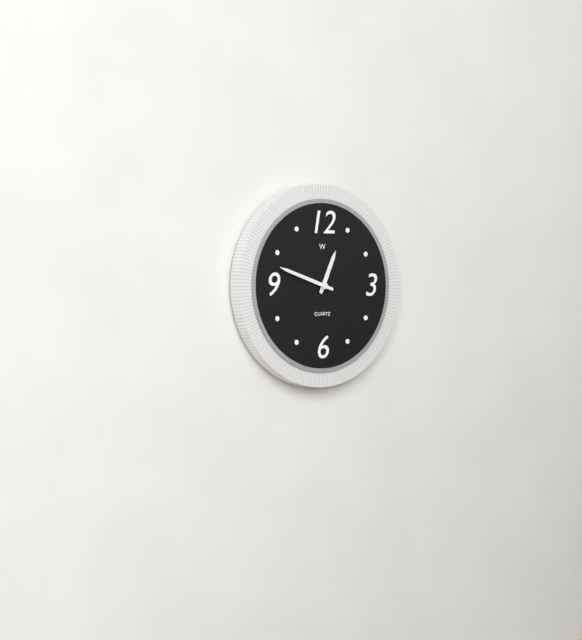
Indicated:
12.48
